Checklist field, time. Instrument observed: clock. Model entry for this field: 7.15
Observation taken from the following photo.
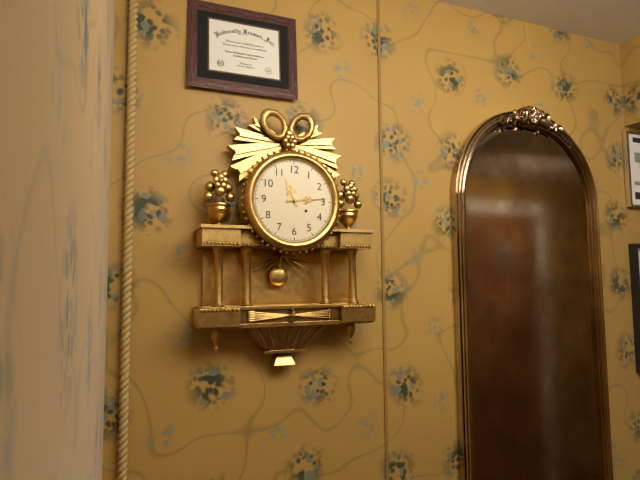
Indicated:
11.14
